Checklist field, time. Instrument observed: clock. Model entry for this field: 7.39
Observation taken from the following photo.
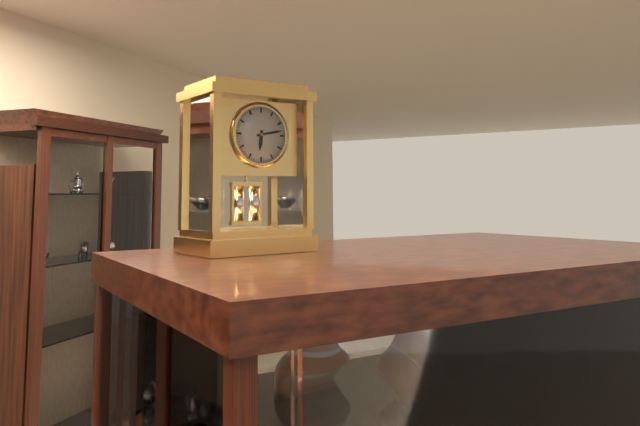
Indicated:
6.13
